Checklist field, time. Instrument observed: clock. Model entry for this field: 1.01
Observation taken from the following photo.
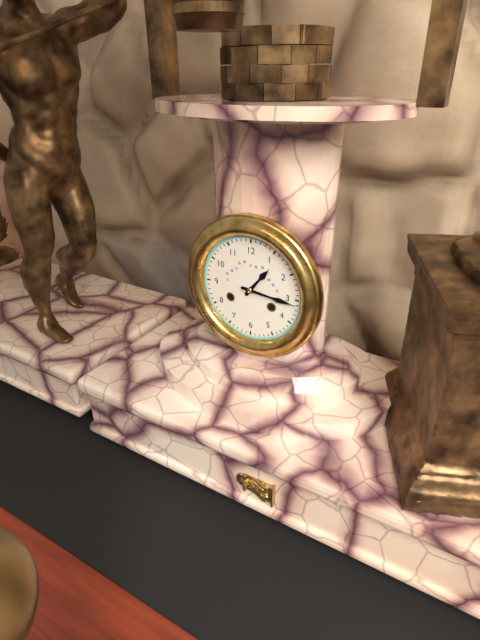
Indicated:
1.16
